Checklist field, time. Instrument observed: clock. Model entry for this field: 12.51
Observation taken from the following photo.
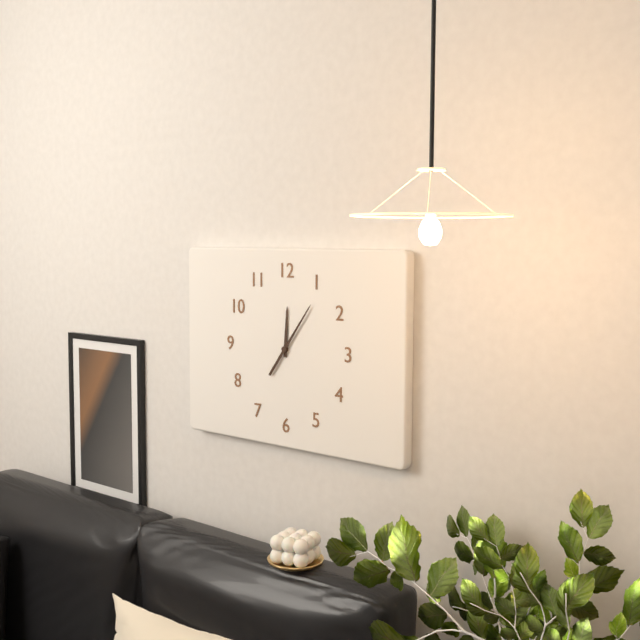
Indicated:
12.06
